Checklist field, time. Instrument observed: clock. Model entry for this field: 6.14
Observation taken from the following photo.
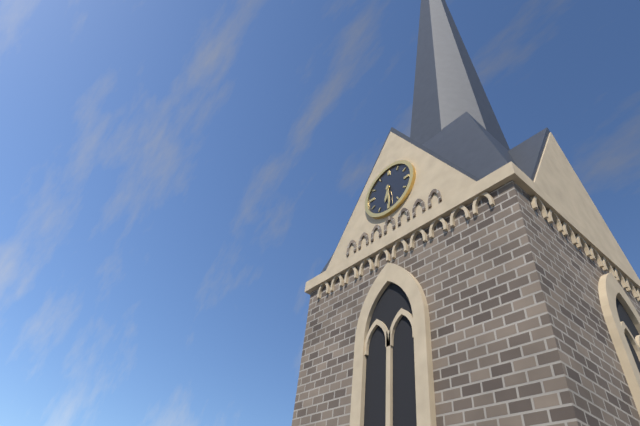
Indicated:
6.29
